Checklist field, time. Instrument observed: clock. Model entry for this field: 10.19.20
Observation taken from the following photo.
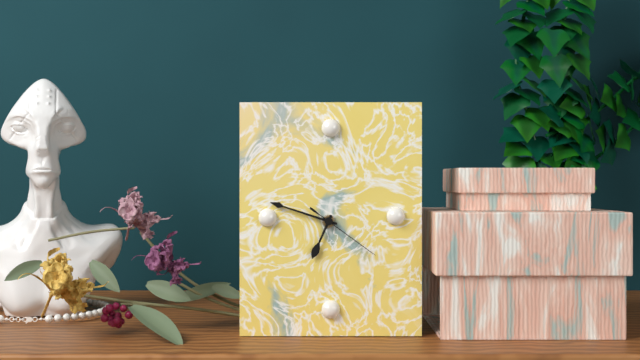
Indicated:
6.48.21
